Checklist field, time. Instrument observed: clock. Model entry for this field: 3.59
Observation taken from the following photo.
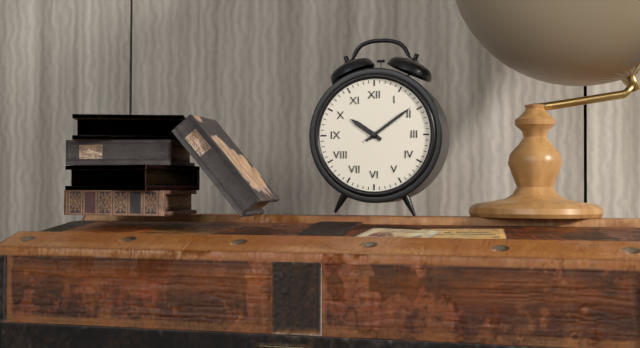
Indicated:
10.09
